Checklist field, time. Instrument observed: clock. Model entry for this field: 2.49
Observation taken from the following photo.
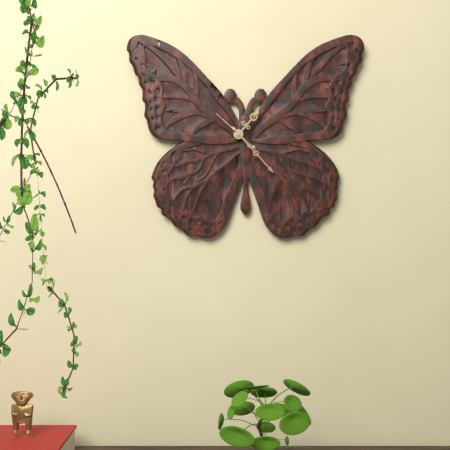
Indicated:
1.23
